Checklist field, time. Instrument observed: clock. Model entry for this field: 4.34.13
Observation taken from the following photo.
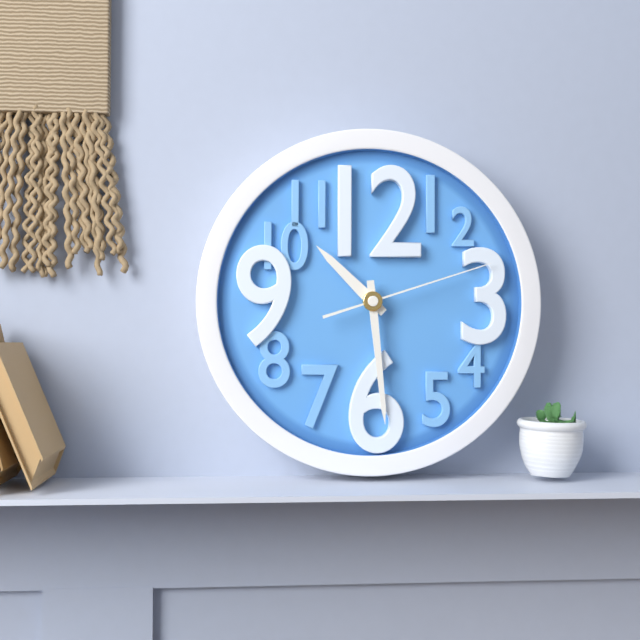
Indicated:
10.29.12
